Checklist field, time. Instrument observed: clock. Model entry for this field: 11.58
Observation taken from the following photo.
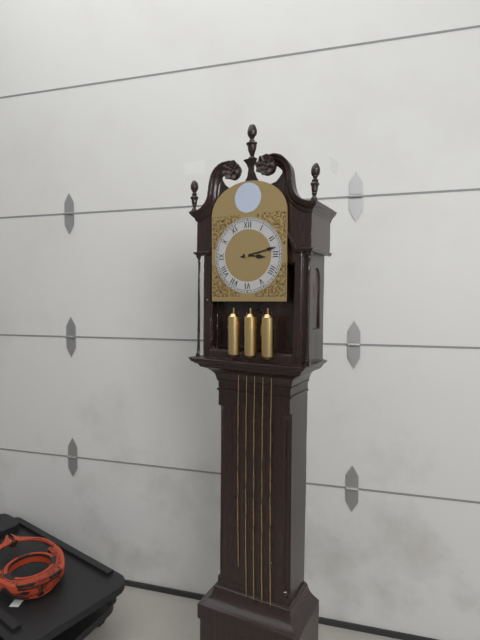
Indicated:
3.13
